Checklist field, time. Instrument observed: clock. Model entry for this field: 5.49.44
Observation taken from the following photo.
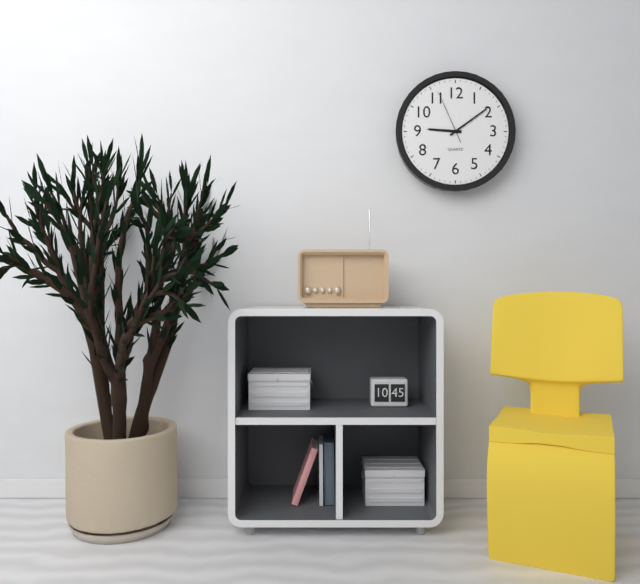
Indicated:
9.09.56
